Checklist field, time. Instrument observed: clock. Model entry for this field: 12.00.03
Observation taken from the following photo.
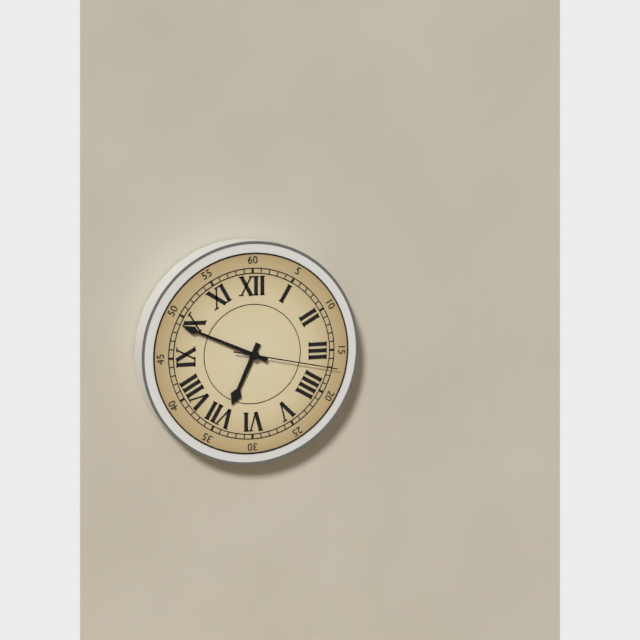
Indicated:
6.49.17
